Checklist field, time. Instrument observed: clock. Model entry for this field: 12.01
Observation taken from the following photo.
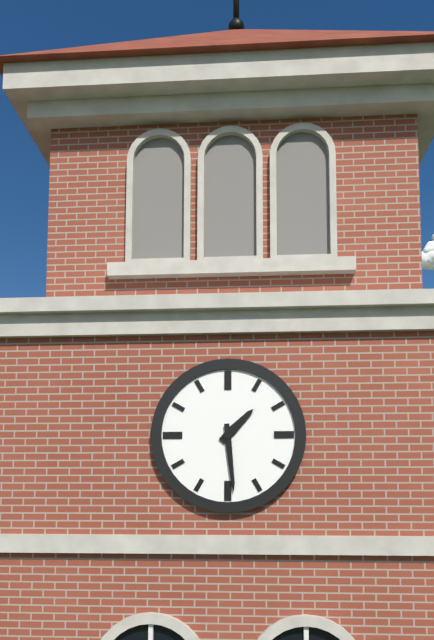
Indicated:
1.29
